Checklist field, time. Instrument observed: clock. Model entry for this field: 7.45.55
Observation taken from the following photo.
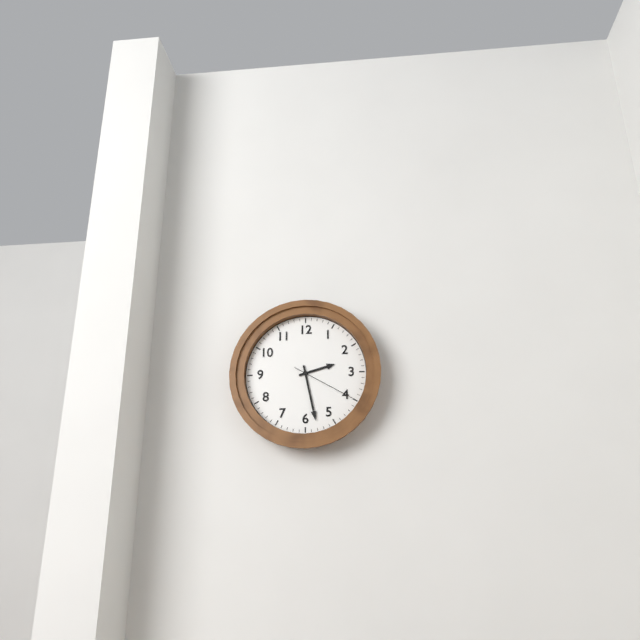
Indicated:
2.28.20
